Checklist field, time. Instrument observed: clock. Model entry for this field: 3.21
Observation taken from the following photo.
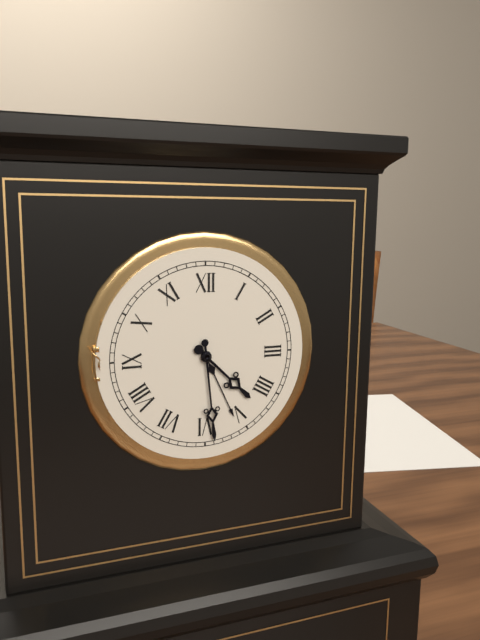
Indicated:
4.29
